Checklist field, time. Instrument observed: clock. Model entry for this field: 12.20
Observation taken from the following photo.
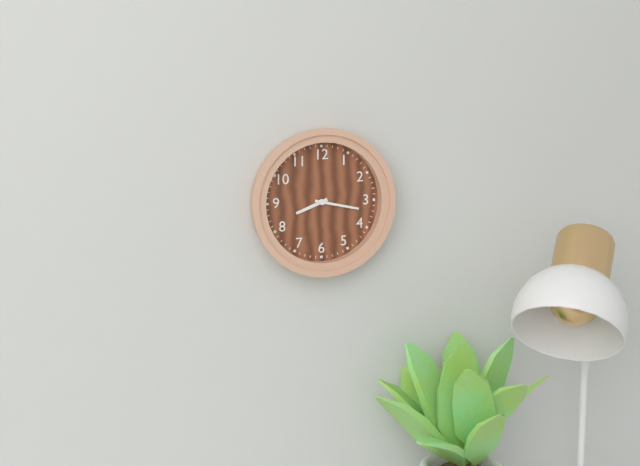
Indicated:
8.17
